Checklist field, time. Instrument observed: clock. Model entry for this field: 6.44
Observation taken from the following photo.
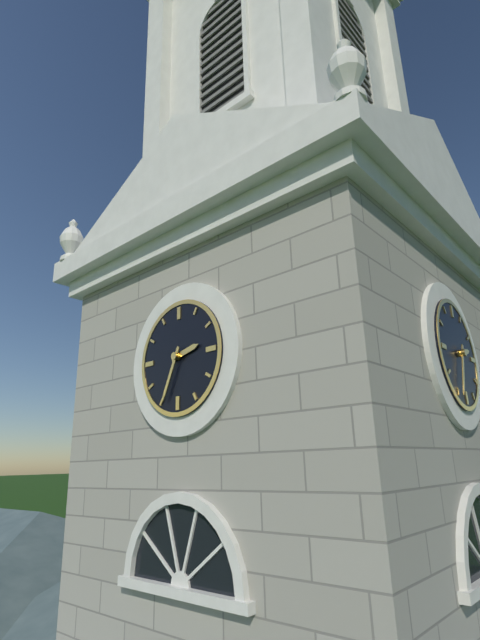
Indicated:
2.34
